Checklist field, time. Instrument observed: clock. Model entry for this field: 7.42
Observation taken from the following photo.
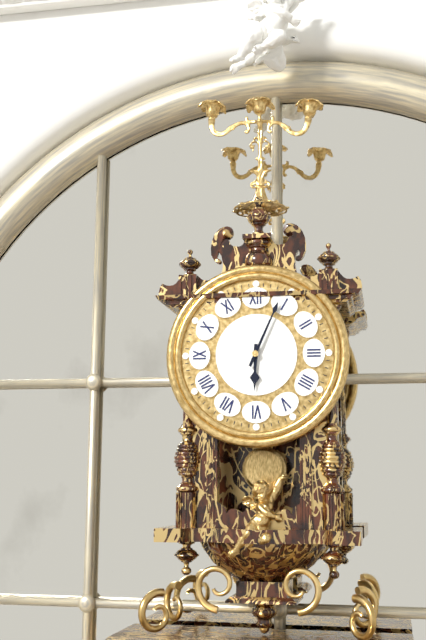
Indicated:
6.04
